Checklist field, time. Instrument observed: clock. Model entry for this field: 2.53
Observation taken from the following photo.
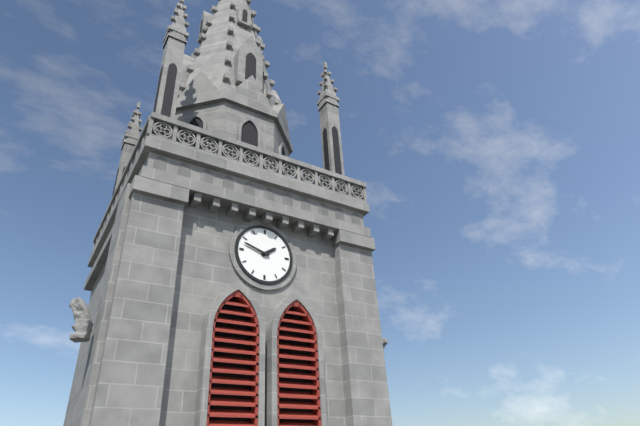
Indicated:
1.48
